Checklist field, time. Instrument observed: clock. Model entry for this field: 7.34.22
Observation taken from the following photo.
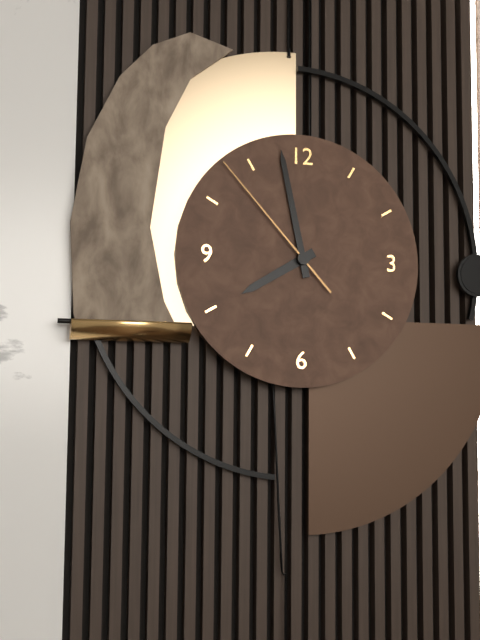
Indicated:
7.58.53
